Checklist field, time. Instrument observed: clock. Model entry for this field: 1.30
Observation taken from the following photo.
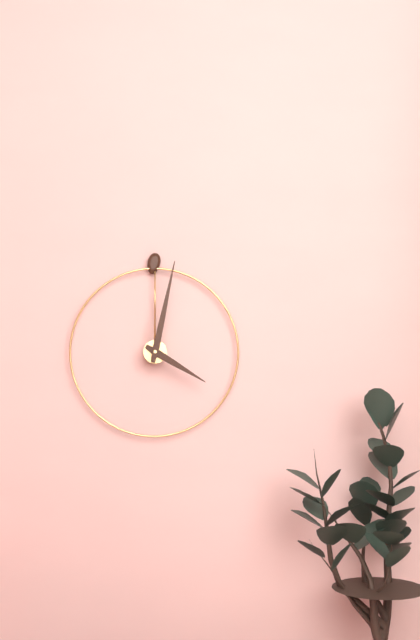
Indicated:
4.02
